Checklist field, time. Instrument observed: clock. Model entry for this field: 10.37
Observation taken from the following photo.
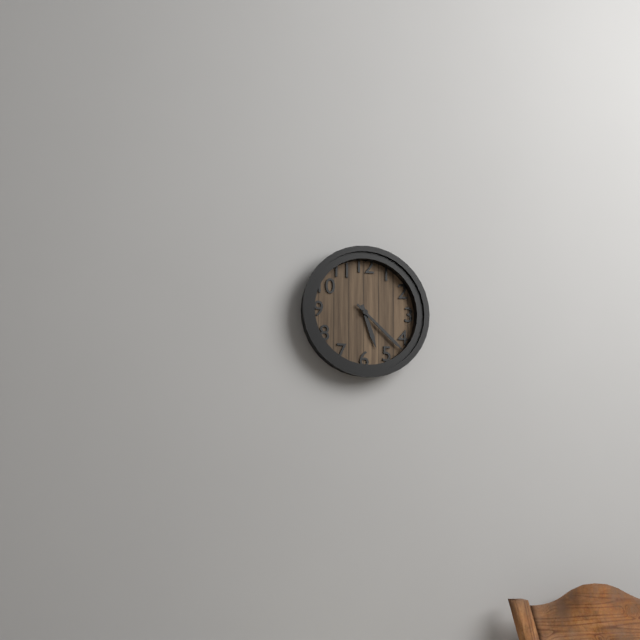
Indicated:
5.22
